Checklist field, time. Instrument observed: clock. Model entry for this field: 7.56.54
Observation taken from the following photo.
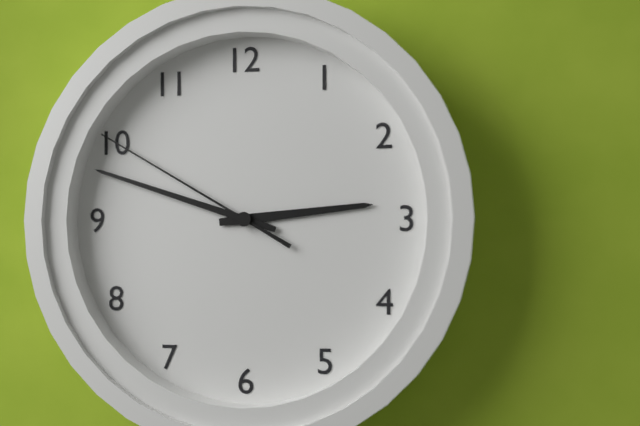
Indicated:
2.48.50
